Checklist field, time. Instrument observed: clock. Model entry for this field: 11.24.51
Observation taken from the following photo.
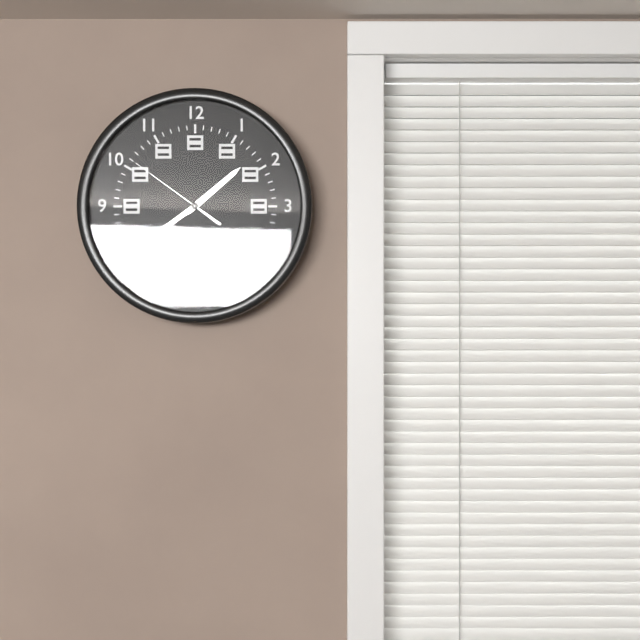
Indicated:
1.39.51
